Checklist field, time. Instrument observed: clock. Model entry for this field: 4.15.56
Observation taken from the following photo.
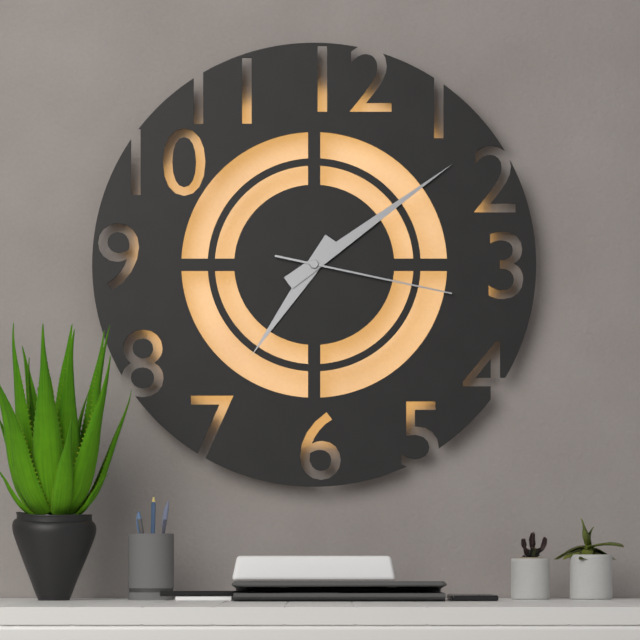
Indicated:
7.09.17
